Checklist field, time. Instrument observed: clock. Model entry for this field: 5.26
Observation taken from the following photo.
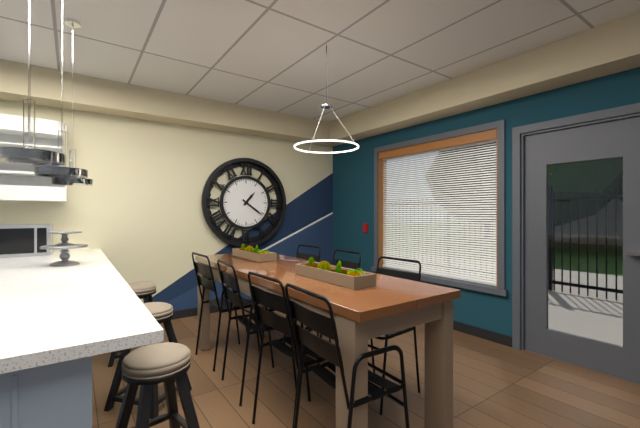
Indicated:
1.21
